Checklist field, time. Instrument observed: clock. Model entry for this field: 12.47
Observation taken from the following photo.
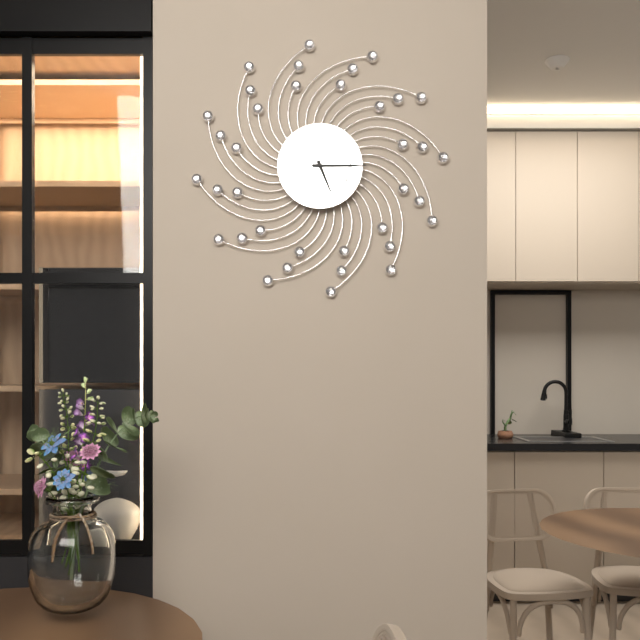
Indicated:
5.15
